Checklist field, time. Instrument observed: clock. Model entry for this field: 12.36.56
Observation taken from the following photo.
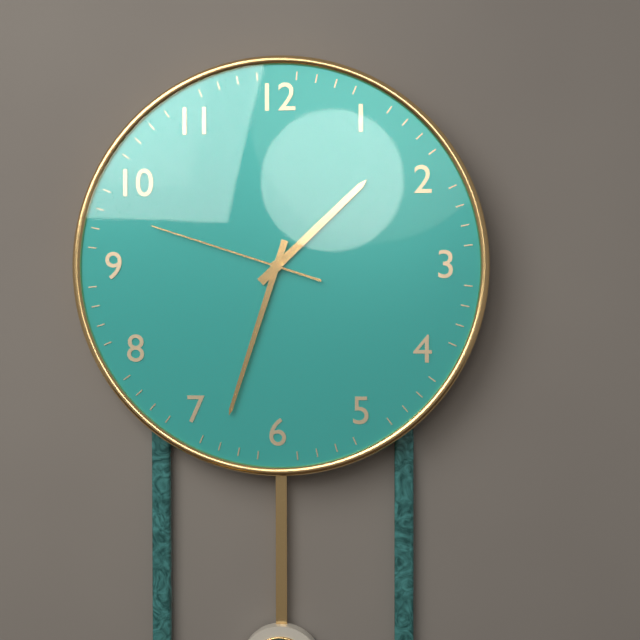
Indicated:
1.33.48
